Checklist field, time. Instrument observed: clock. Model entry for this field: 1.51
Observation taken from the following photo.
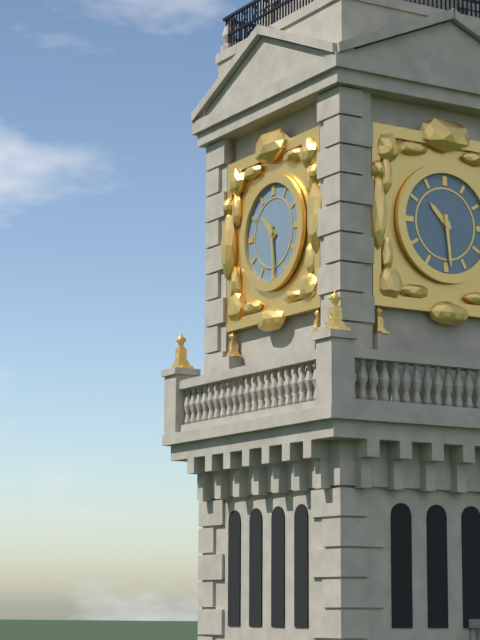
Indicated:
10.29
